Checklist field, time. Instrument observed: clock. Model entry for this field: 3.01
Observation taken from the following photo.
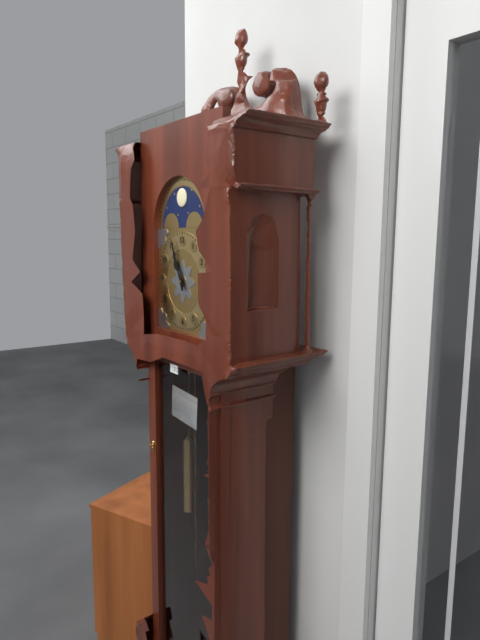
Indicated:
10.56
